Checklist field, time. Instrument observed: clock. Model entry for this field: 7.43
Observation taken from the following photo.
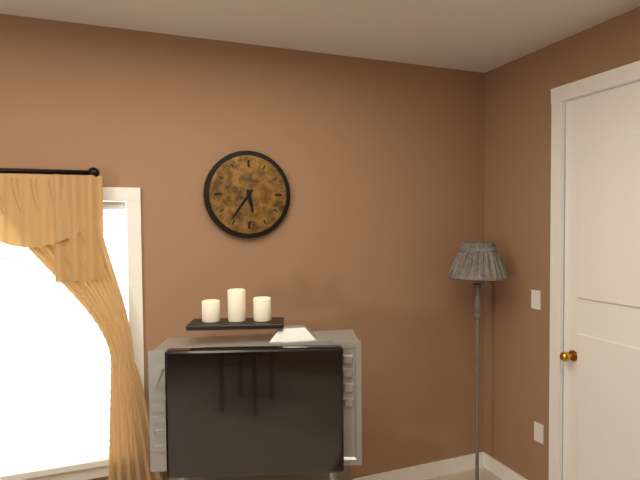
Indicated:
5.36
